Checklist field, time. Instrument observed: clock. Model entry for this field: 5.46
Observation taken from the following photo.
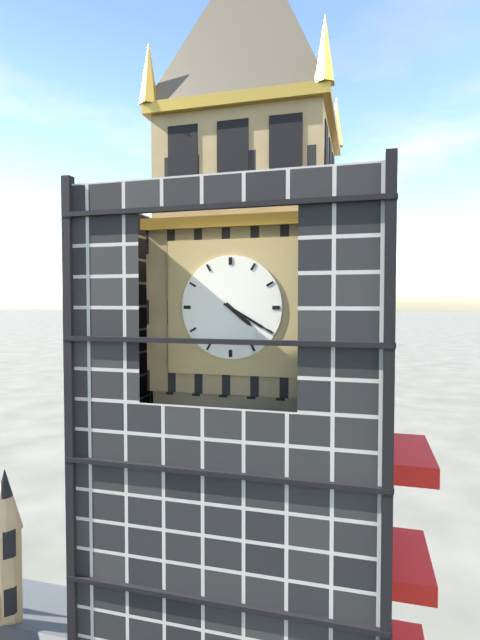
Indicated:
4.20
